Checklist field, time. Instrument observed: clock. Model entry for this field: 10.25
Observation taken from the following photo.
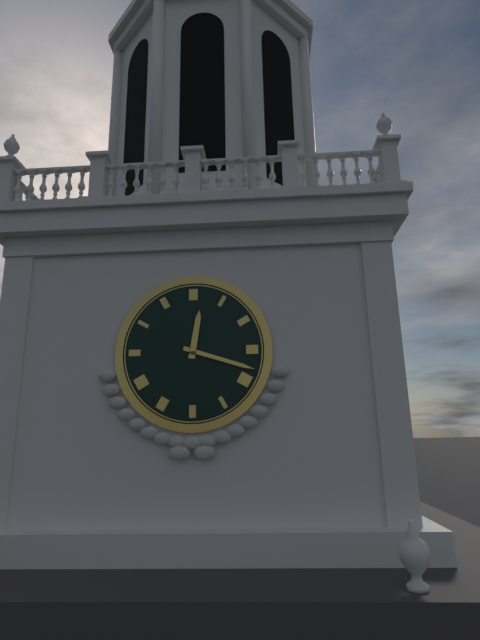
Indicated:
12.18
